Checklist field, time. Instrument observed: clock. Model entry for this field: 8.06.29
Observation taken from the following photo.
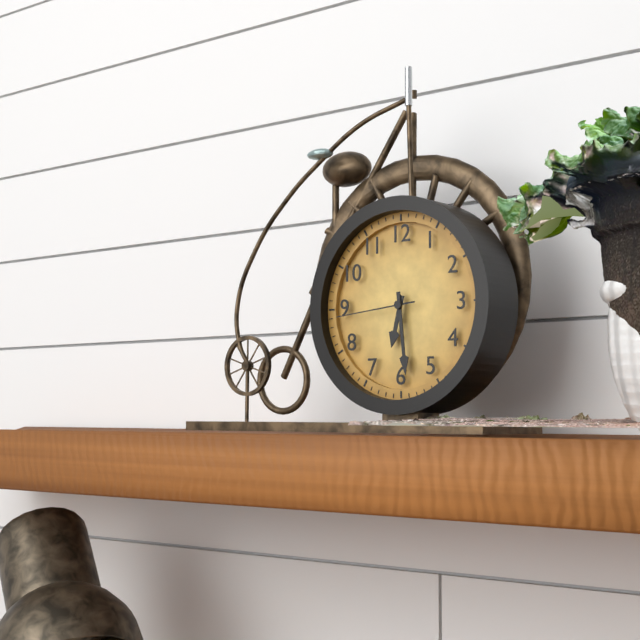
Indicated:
6.29.44
